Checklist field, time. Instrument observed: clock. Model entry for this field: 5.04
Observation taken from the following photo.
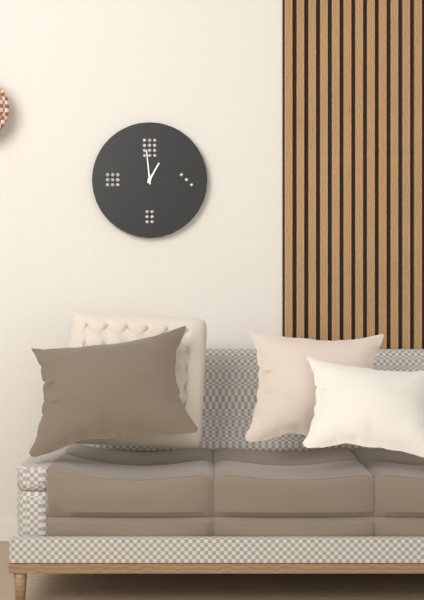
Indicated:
12.59
